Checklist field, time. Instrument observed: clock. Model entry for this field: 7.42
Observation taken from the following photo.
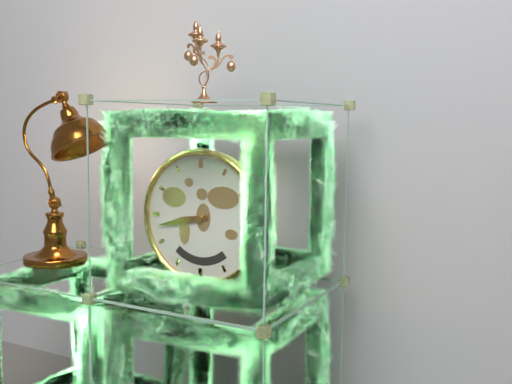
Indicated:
8.43
